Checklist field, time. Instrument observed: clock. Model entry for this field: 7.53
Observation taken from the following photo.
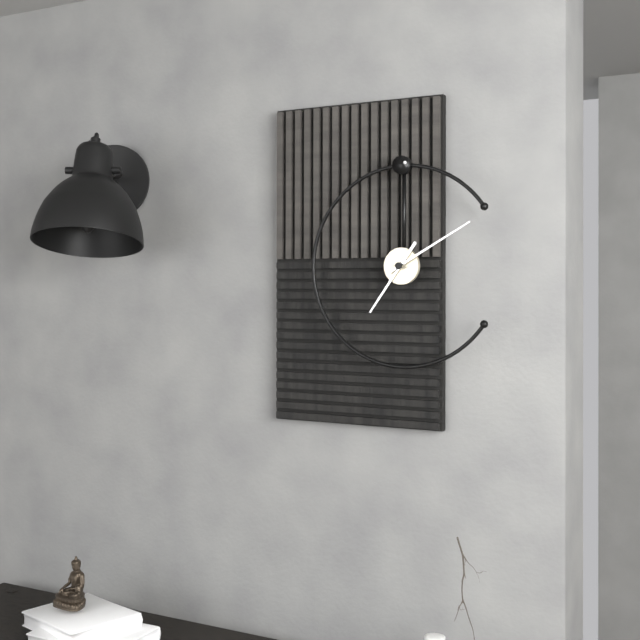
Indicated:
7.10
